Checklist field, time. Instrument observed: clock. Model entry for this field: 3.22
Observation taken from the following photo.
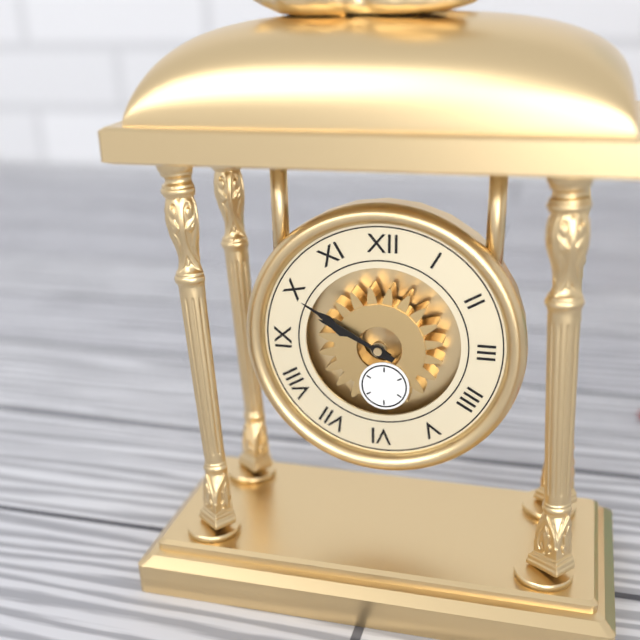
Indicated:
9.50
